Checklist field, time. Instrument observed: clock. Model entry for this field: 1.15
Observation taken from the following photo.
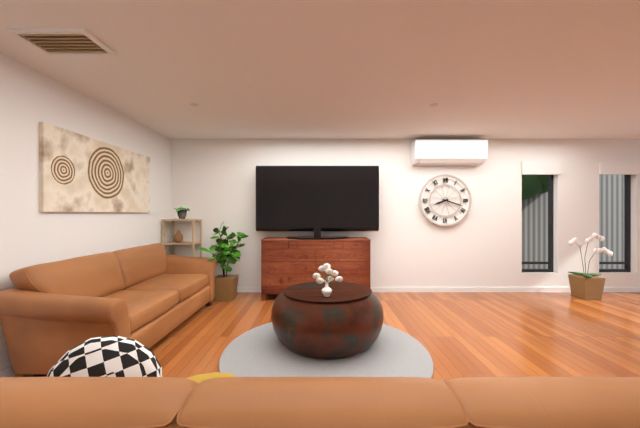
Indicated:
8.18
